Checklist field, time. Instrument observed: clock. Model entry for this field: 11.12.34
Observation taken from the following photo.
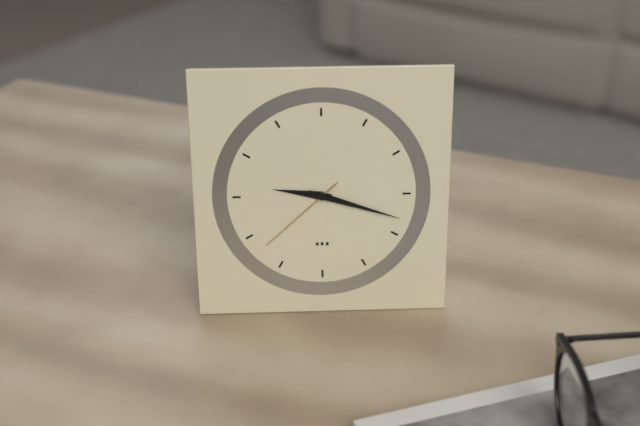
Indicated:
9.18.38
